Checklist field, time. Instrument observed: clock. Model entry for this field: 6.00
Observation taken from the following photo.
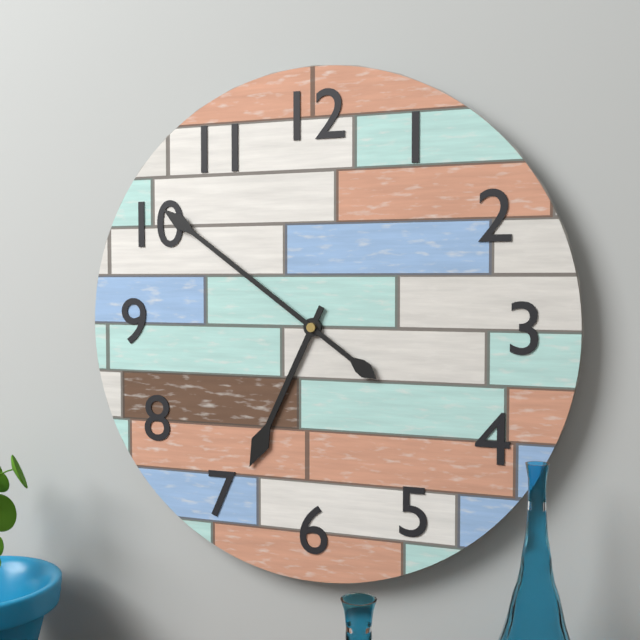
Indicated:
6.51
